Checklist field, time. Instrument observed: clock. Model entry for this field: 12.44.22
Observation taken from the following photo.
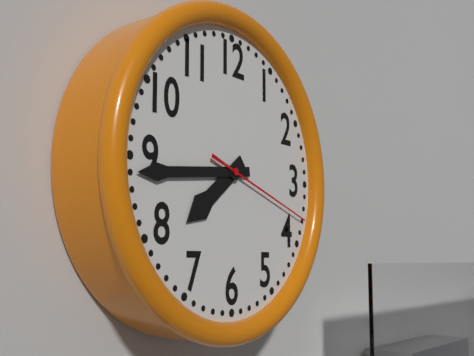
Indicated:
7.44.18
